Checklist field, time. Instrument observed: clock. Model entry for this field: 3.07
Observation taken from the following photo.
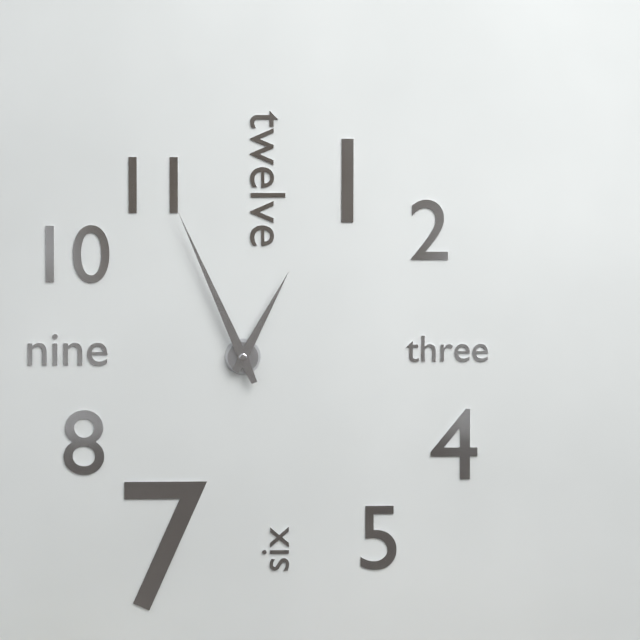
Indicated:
12.56
